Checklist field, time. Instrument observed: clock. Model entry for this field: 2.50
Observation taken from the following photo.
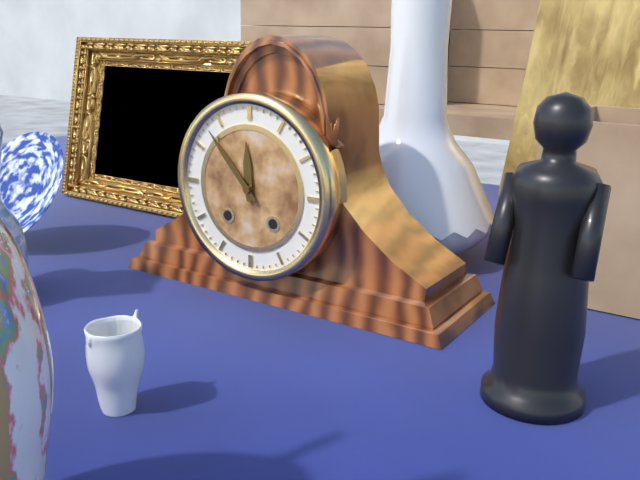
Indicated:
11.53
